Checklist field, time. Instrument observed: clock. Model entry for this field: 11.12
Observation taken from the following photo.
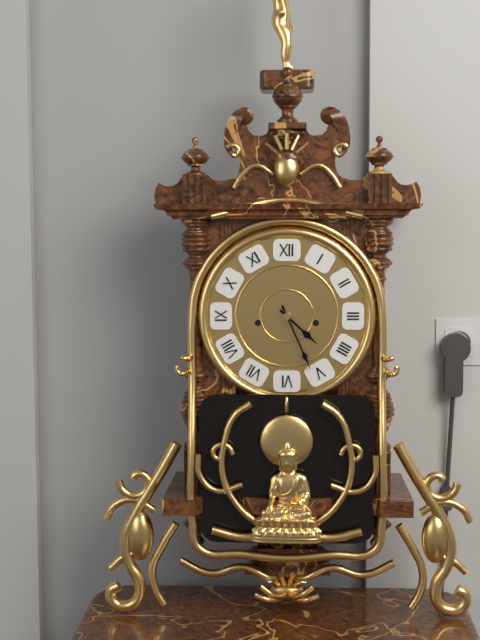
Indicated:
4.26
